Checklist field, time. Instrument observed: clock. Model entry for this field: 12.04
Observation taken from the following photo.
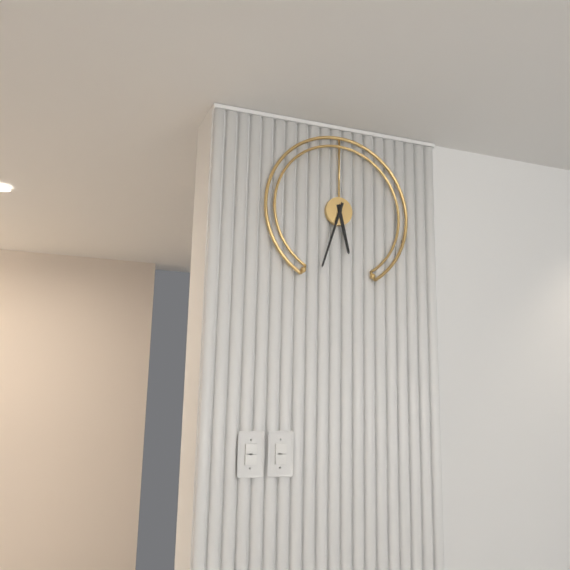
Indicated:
5.33
